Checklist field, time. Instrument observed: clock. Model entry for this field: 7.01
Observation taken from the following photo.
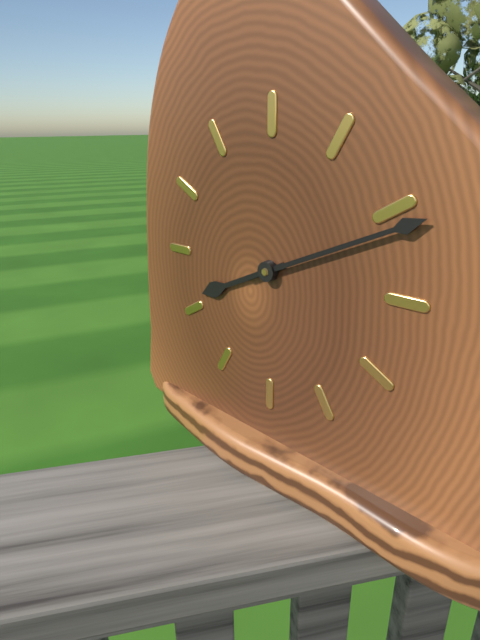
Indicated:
8.11
